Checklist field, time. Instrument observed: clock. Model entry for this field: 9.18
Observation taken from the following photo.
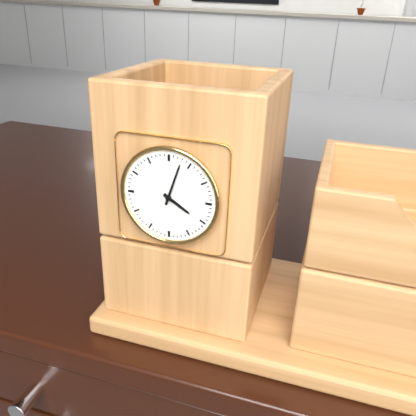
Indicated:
4.03
